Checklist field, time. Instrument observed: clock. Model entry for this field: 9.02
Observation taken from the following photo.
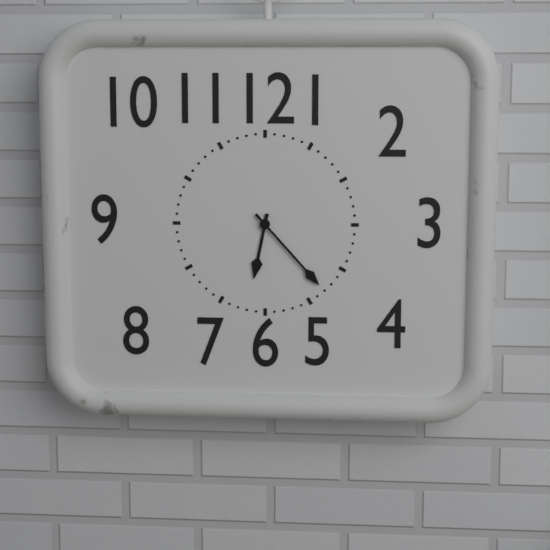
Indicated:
6.23
